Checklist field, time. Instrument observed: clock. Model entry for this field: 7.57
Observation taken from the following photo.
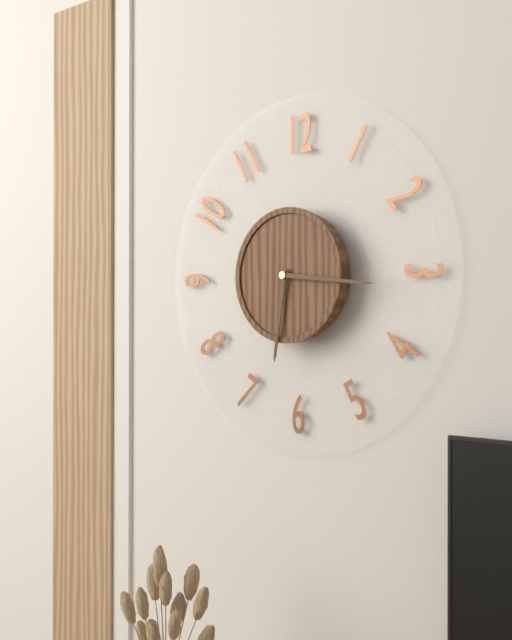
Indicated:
6.16
